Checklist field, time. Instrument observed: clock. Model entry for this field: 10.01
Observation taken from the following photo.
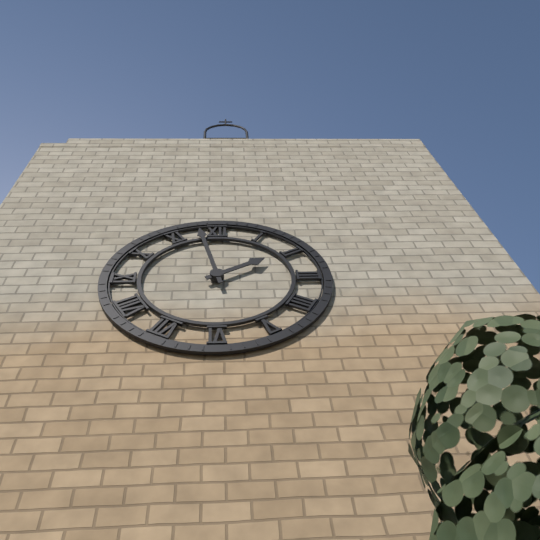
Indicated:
1.58
